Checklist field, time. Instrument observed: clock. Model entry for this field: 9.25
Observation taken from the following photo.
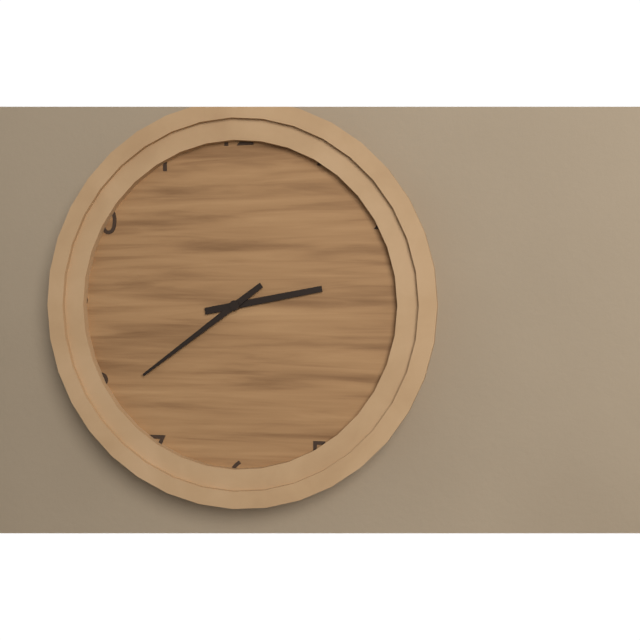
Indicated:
2.39
